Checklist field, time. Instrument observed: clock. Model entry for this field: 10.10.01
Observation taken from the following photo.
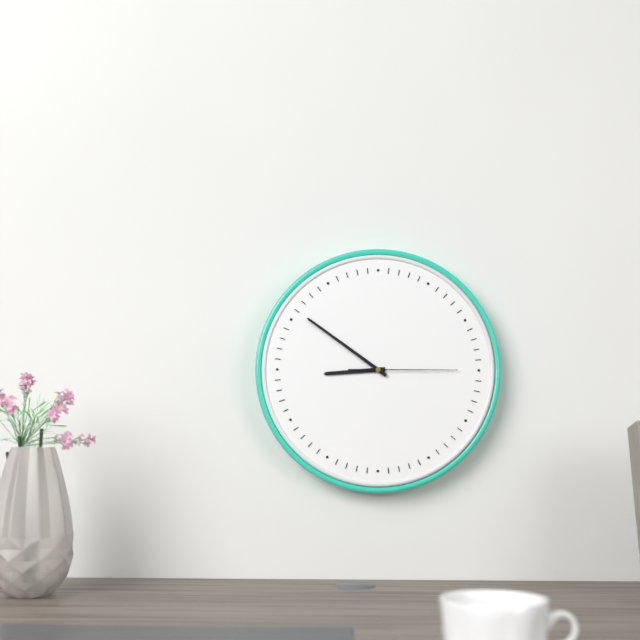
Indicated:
8.51.15
